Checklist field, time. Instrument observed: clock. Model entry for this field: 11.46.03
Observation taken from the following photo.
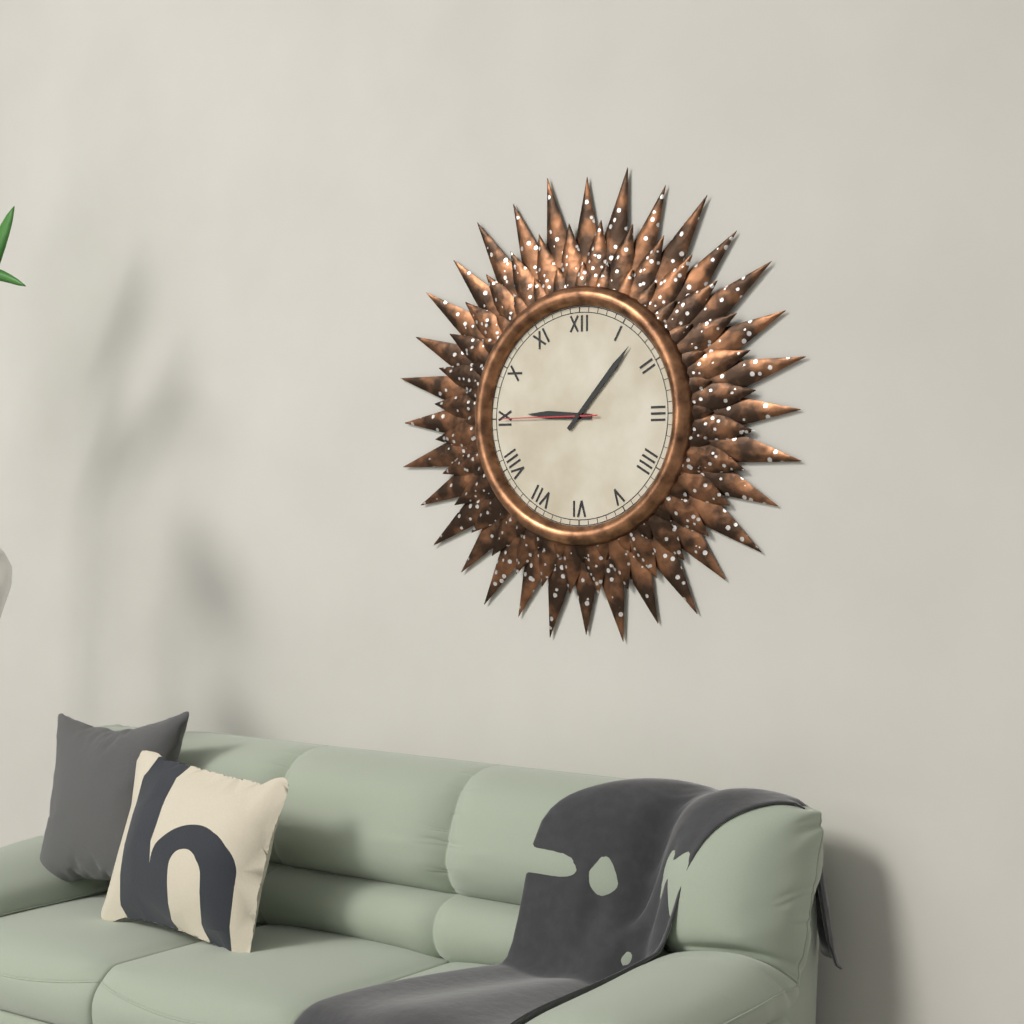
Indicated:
9.07.45
